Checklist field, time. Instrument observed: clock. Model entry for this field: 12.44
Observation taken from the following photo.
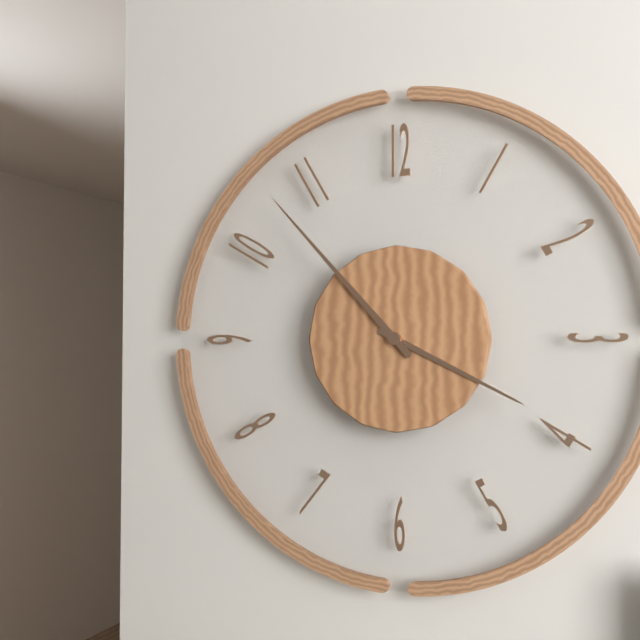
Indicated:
3.53
